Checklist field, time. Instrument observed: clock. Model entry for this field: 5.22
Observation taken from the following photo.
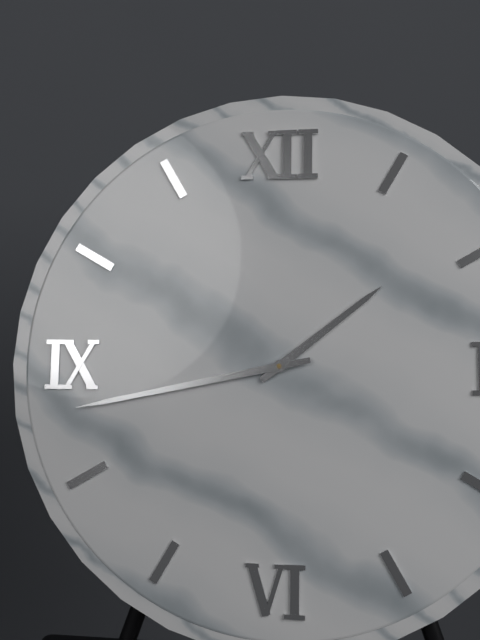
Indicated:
1.43
